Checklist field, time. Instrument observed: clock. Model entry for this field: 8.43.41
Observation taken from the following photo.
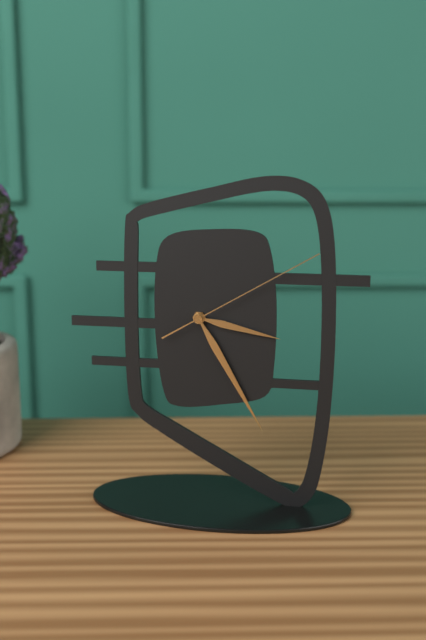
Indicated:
3.25.10
